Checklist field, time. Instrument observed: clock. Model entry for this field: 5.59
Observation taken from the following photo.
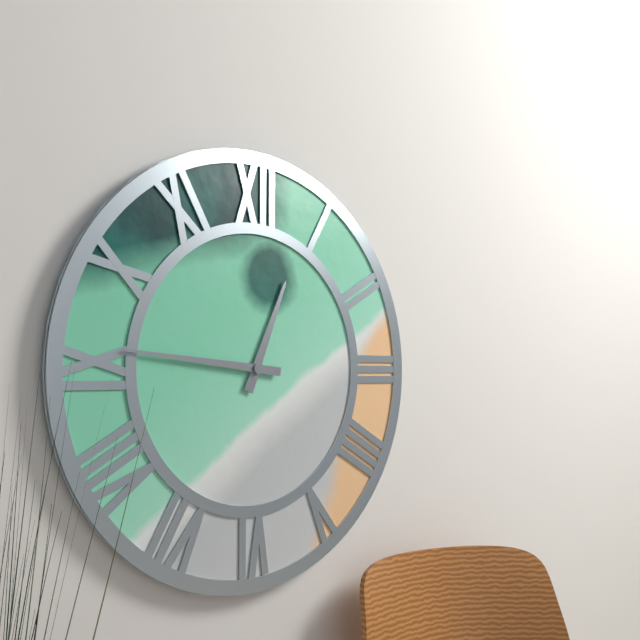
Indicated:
12.46
